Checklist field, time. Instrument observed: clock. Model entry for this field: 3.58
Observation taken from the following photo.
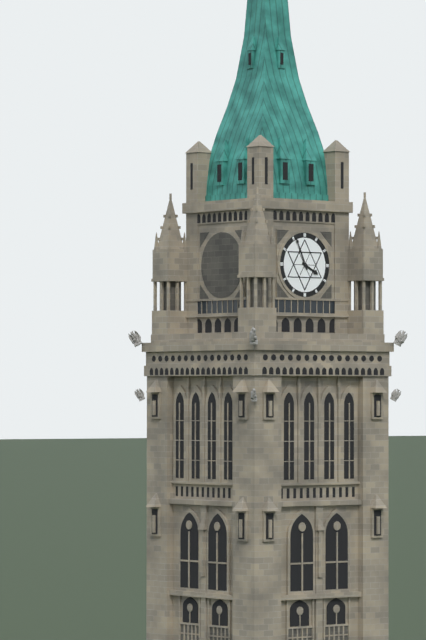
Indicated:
3.56
